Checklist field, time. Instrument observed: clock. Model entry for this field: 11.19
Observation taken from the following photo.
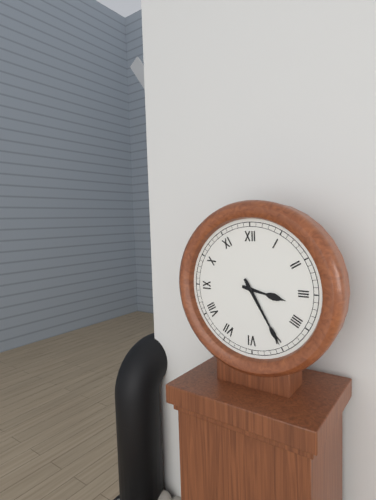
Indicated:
3.25
